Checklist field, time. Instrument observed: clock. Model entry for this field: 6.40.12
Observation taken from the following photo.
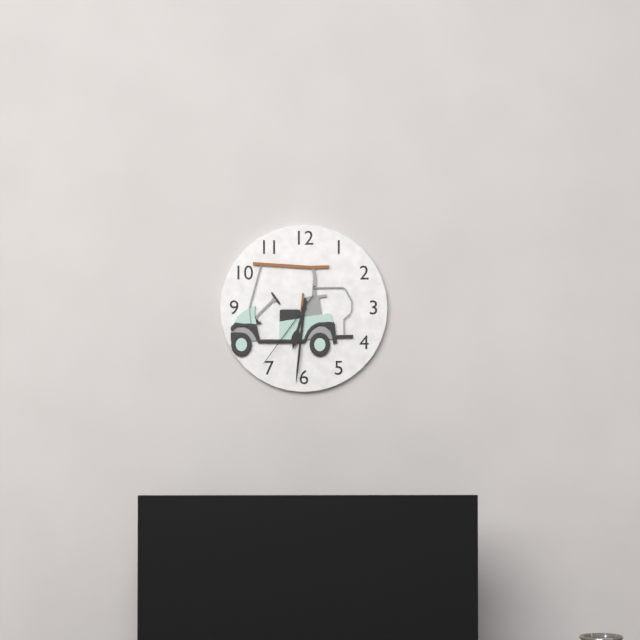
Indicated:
6.31.36
